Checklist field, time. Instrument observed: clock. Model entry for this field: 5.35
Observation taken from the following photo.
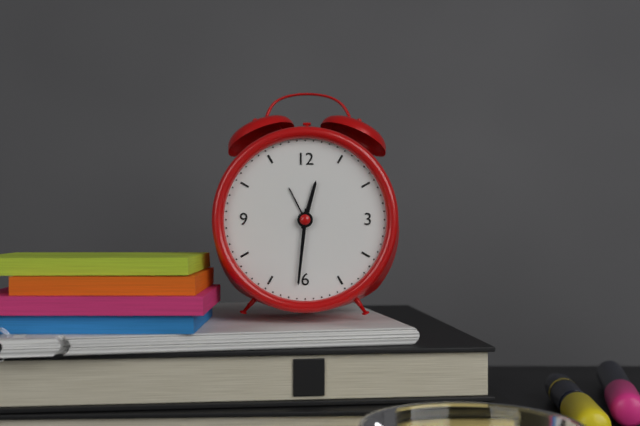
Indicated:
12.31
